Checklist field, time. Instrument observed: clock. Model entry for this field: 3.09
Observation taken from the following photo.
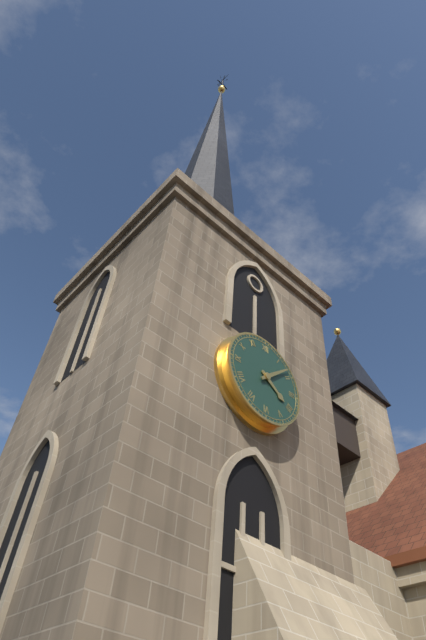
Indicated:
4.08
